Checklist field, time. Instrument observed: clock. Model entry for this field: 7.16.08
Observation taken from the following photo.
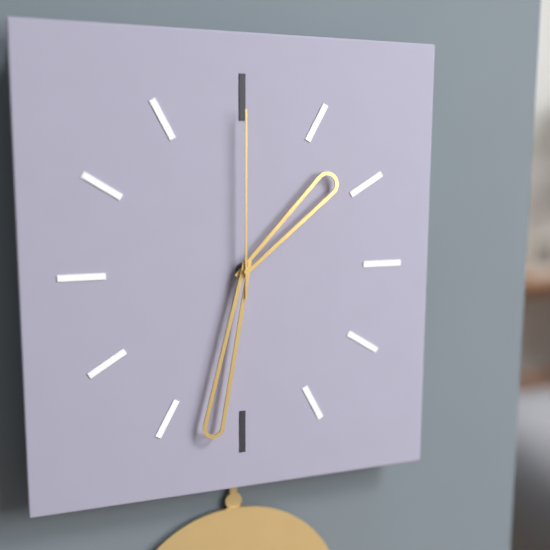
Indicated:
1.32.00
